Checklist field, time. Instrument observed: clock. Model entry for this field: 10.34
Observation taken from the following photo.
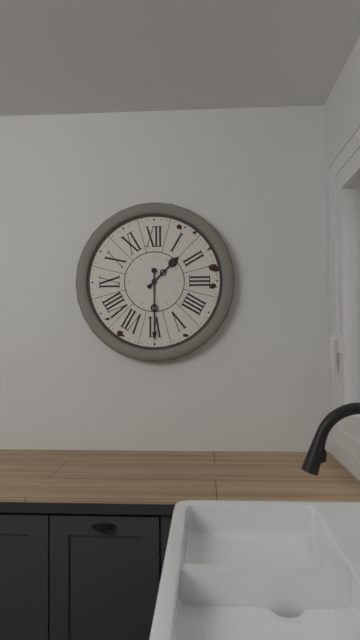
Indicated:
1.30
